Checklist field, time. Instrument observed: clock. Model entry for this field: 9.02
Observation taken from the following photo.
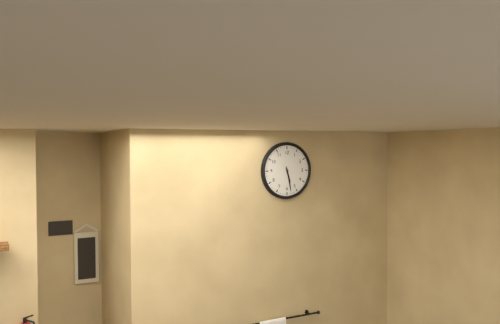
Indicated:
5.28
